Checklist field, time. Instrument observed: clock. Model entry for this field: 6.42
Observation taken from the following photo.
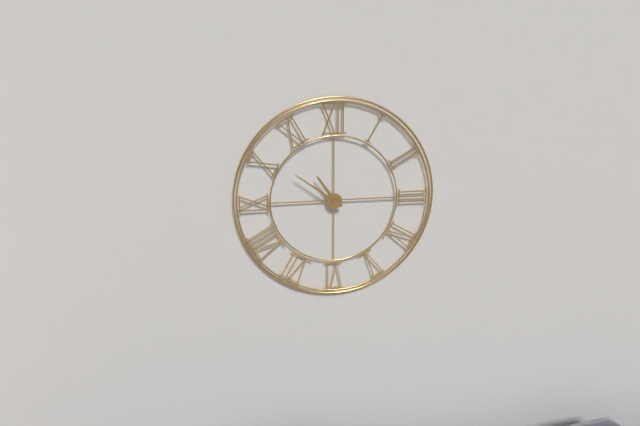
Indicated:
10.51
